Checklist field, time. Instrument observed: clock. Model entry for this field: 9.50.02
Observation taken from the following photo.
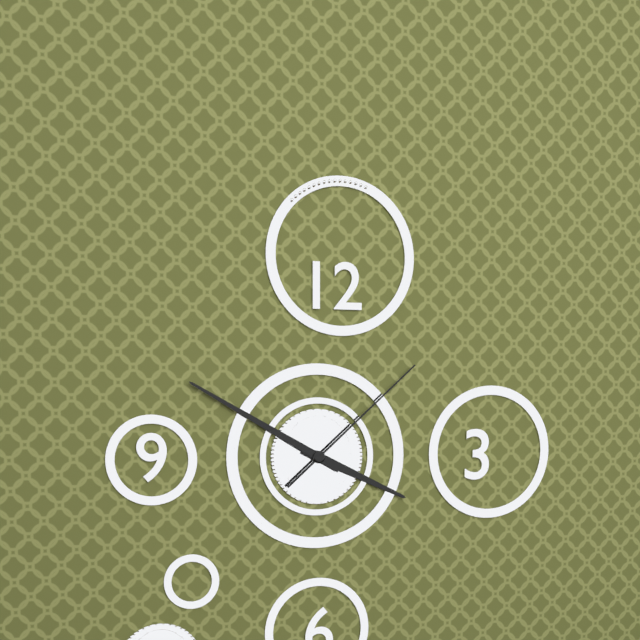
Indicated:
3.50.08
